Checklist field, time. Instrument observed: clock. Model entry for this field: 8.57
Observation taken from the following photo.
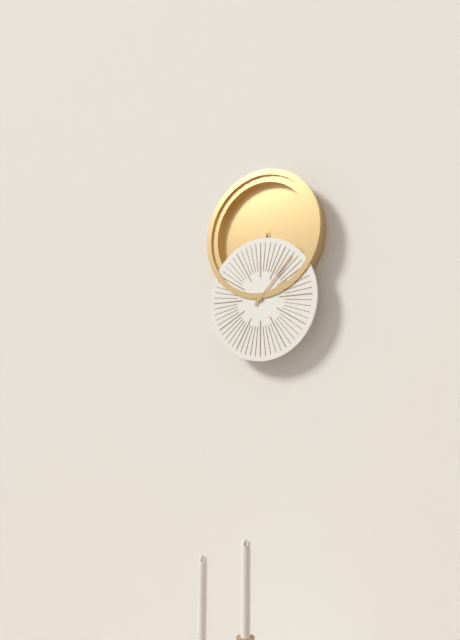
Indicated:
2.07
